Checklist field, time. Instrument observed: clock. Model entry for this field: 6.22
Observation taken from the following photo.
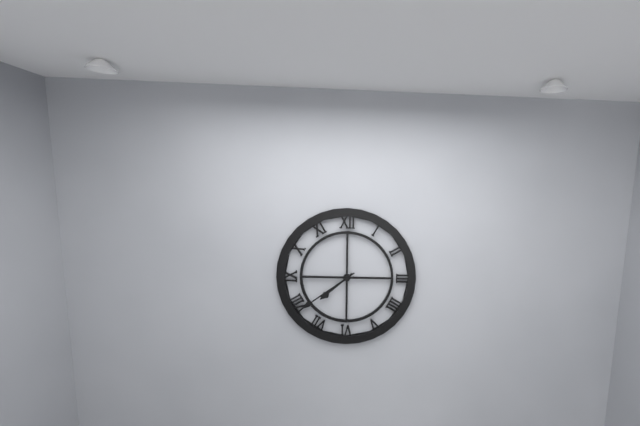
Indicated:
7.39
